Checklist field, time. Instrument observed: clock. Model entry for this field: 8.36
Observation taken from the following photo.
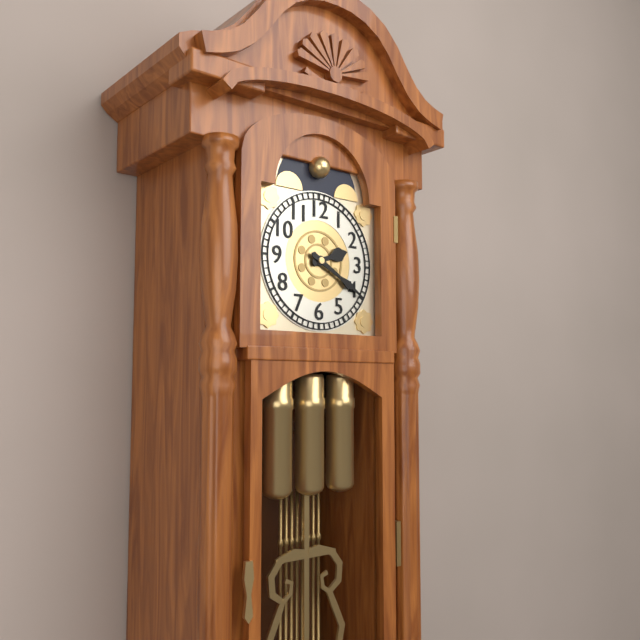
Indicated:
2.20
